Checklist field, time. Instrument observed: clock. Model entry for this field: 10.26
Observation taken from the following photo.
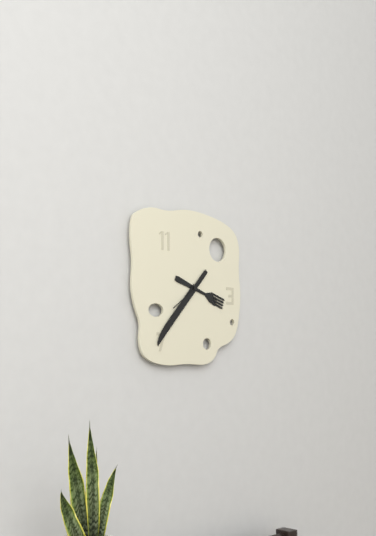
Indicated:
3.37
